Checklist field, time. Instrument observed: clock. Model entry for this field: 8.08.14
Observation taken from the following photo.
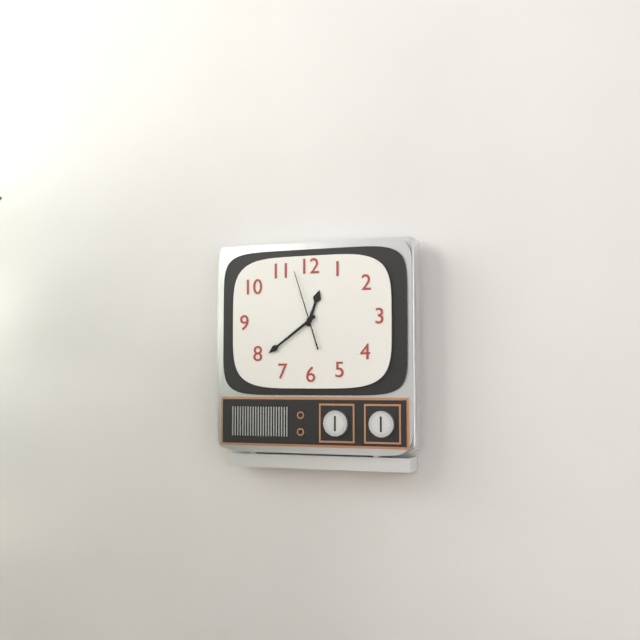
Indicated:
12.39.57
